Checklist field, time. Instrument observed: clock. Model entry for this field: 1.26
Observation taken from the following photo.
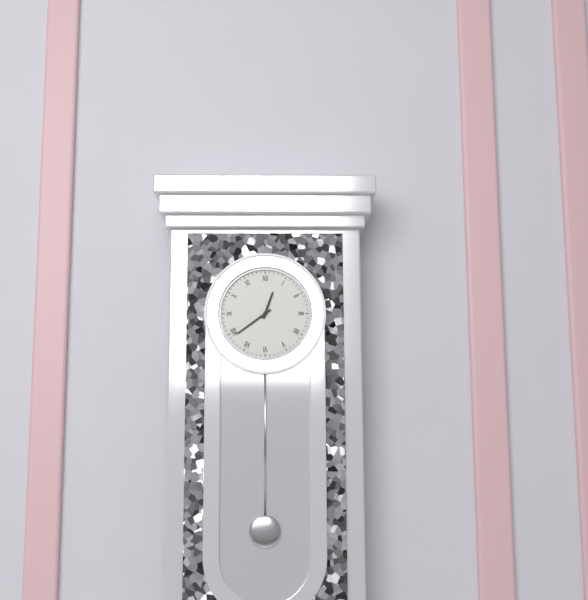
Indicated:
12.39
